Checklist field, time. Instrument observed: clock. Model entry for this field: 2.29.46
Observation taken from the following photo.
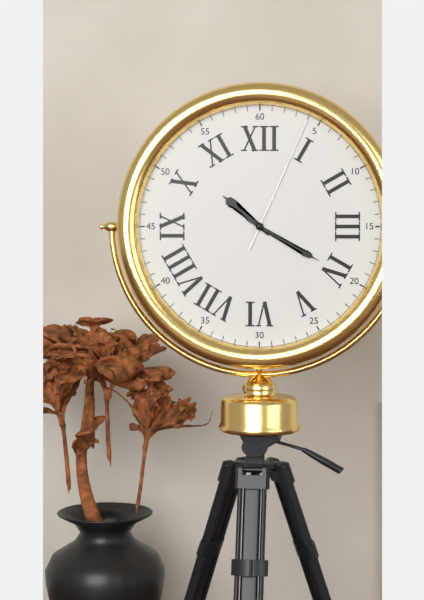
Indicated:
10.20.04
